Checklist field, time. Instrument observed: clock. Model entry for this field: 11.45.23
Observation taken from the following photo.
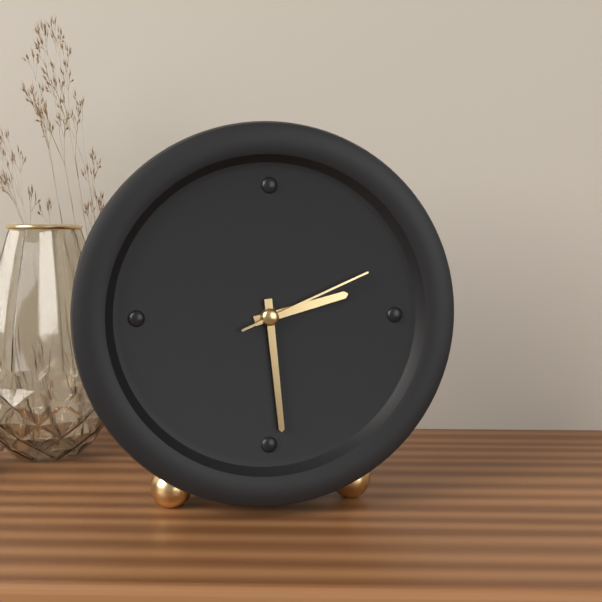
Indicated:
2.29.11
